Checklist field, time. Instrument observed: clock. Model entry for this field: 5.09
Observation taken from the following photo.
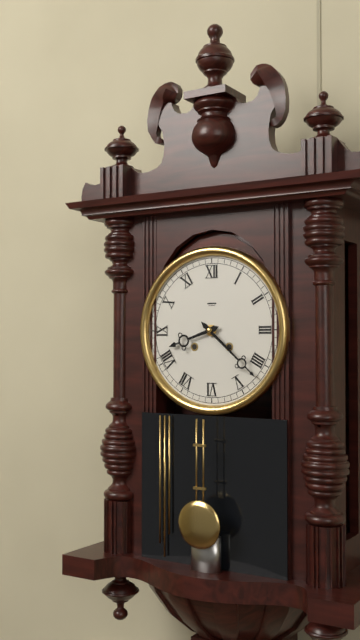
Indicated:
8.22
